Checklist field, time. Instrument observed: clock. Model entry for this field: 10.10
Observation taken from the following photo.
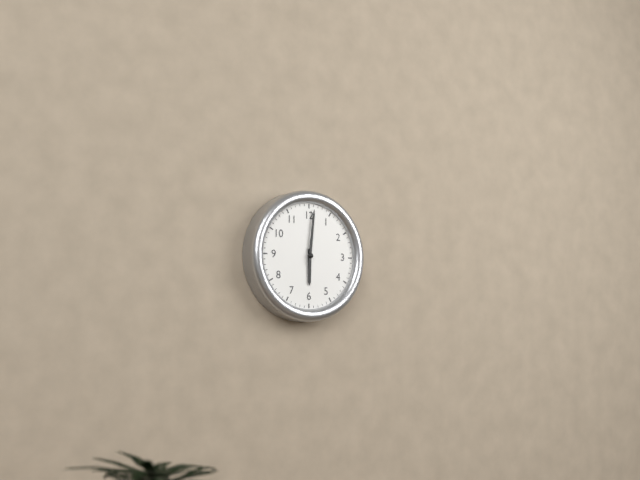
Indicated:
6.01
